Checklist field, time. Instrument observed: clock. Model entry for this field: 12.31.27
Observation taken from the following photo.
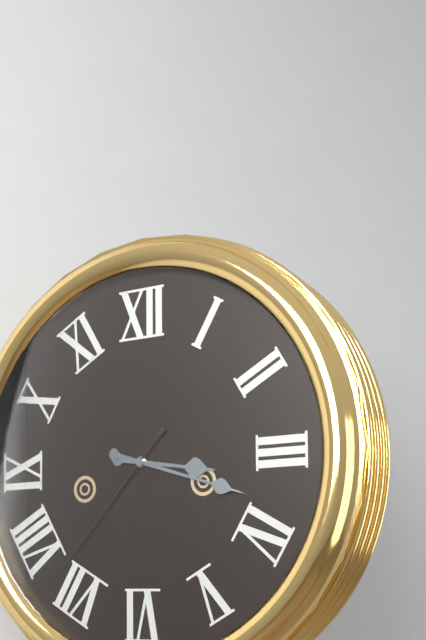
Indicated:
3.18.37
